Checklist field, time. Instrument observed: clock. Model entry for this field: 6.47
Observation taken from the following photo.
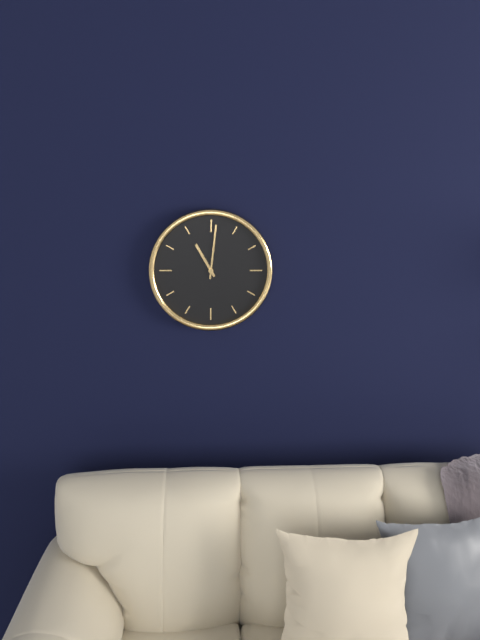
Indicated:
11.01
